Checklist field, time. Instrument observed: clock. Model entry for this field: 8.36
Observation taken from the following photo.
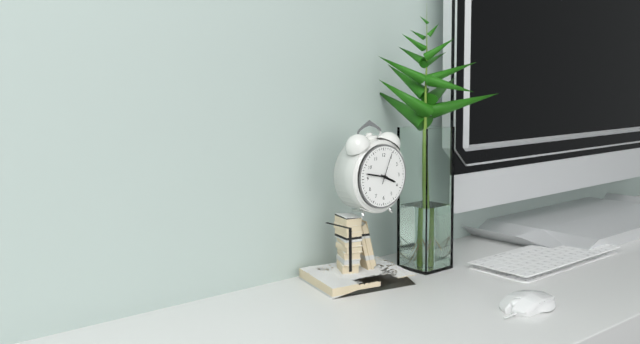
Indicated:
3.47
